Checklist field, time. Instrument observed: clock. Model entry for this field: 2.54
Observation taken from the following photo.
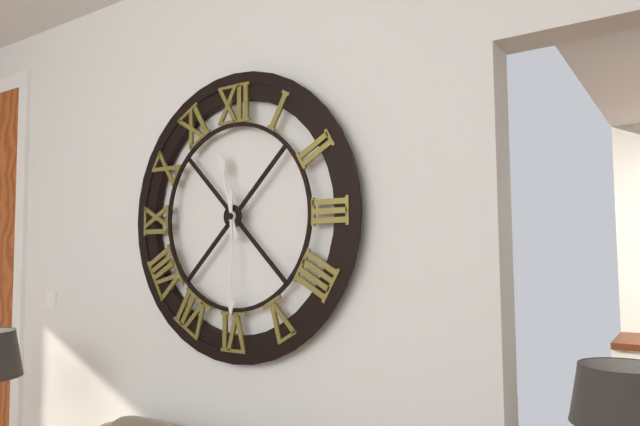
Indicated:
11.30
